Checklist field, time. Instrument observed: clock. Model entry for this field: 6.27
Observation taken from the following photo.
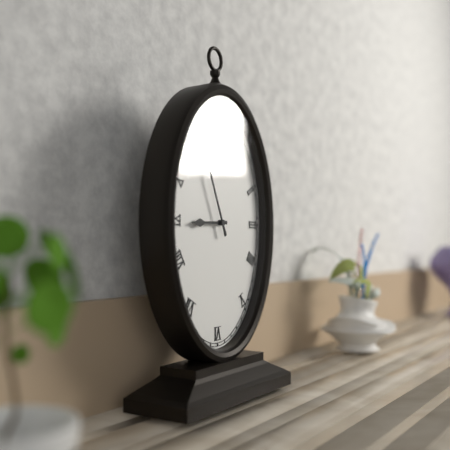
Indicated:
8.56
